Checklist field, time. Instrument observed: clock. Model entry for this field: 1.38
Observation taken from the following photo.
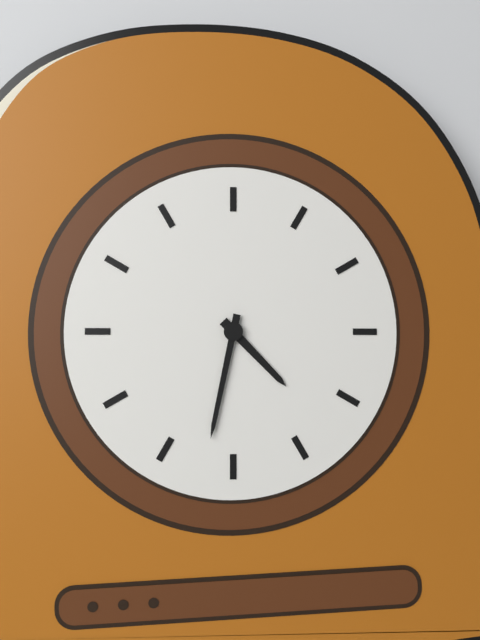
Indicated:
4.32
